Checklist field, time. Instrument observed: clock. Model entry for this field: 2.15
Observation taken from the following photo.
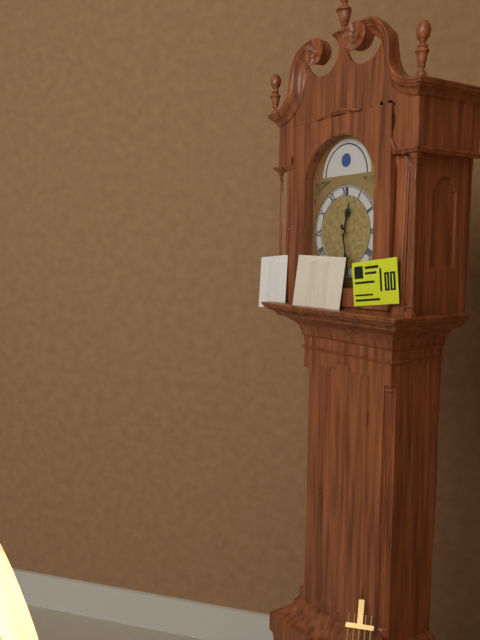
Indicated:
12.28
